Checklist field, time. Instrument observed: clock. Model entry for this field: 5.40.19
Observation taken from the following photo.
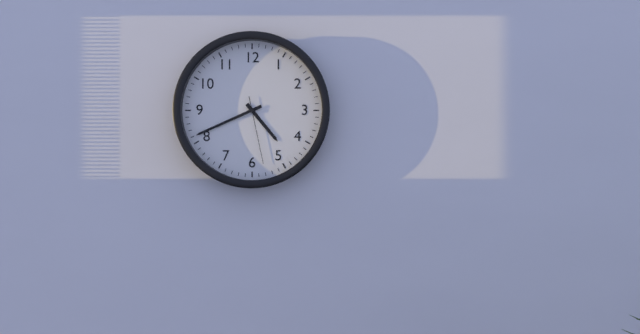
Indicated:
4.41.28
